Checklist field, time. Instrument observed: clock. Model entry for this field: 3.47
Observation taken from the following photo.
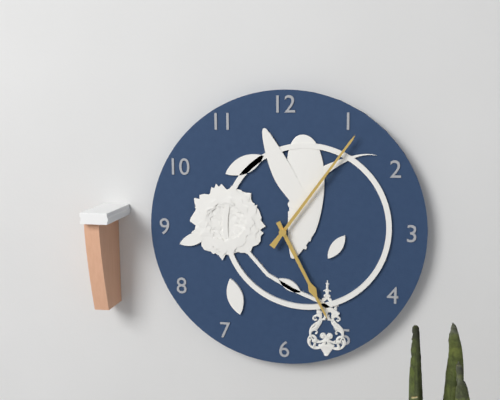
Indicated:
5.06
